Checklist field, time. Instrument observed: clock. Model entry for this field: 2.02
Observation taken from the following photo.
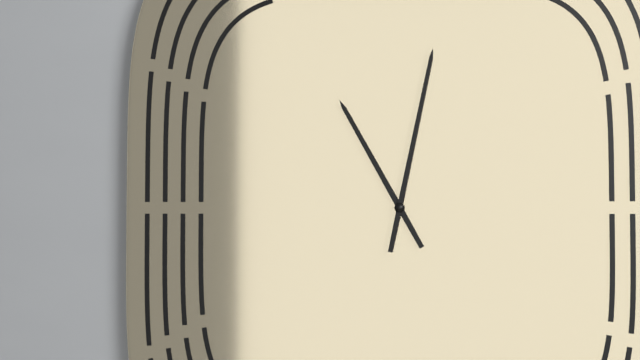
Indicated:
11.02
